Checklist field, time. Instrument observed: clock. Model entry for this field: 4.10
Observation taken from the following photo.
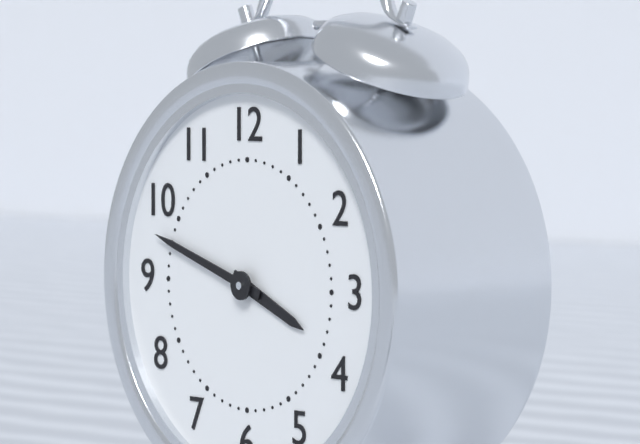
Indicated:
3.48
